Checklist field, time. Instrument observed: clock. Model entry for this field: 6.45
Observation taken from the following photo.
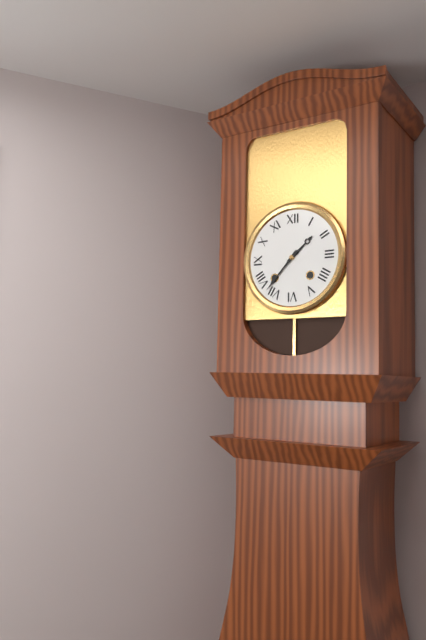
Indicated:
1.37
